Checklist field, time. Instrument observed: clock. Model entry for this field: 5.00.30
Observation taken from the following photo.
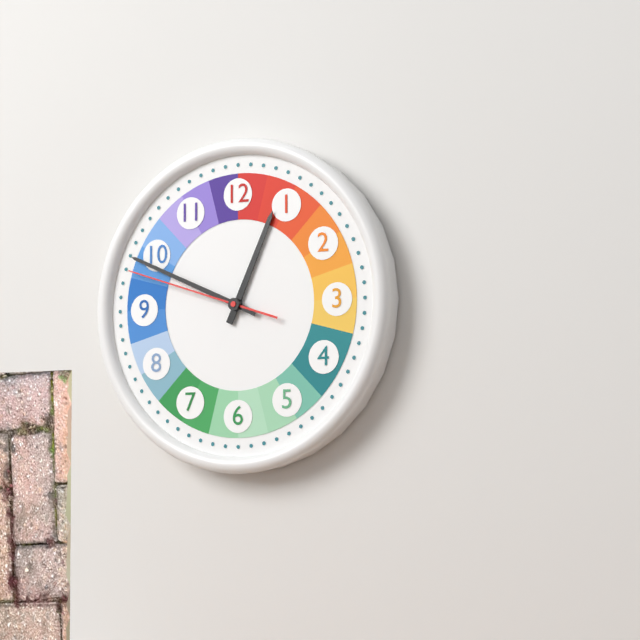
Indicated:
12.49.48
